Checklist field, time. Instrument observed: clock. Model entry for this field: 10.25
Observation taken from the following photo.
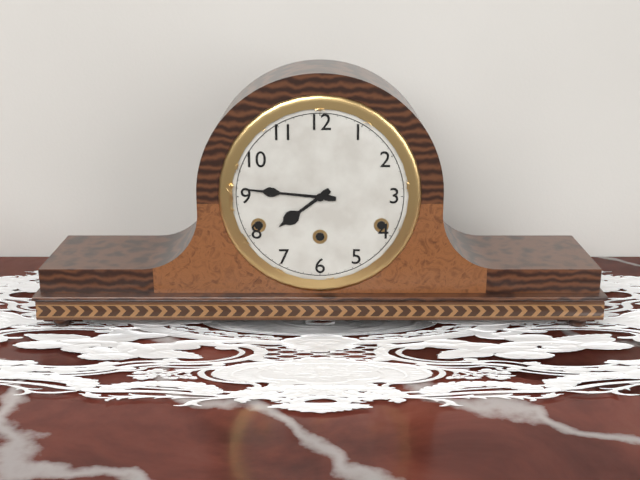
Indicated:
7.46
